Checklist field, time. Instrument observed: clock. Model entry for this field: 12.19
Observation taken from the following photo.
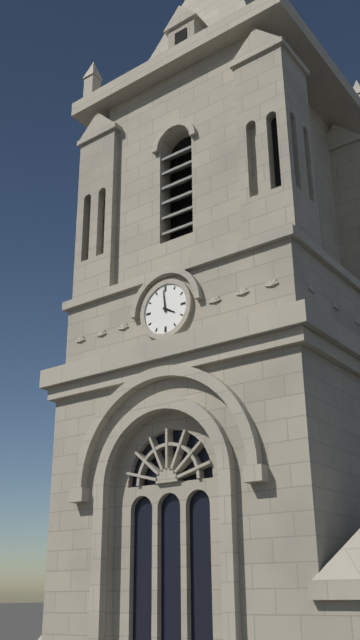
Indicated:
3.59
